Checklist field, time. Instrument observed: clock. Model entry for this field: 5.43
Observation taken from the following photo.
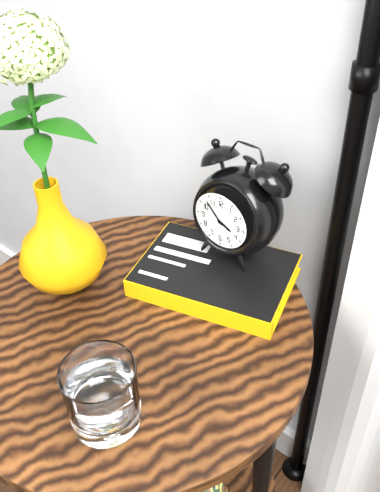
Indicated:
3.53
